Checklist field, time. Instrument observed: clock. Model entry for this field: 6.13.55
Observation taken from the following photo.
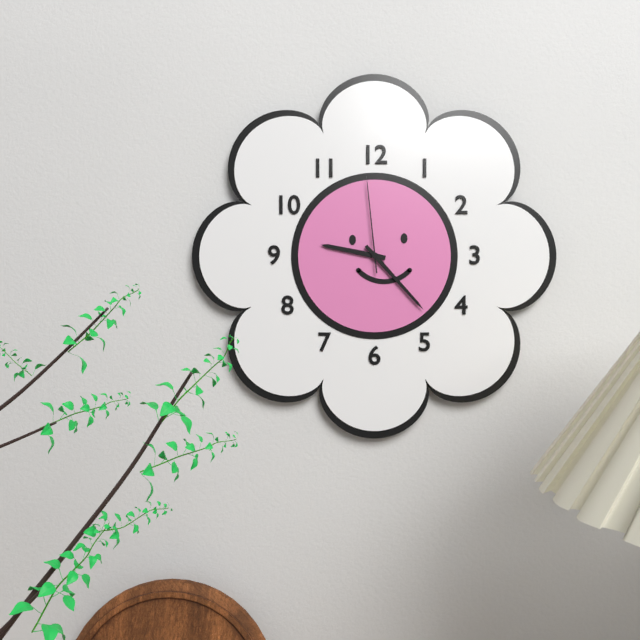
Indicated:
9.23.59
